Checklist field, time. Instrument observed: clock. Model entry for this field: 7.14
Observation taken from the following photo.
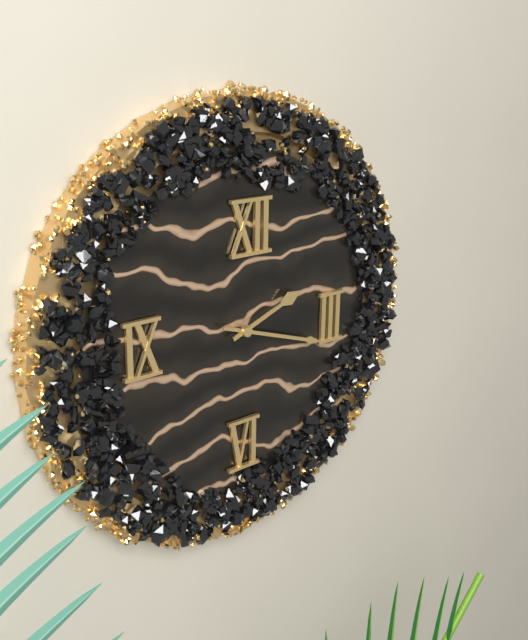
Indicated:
2.18
